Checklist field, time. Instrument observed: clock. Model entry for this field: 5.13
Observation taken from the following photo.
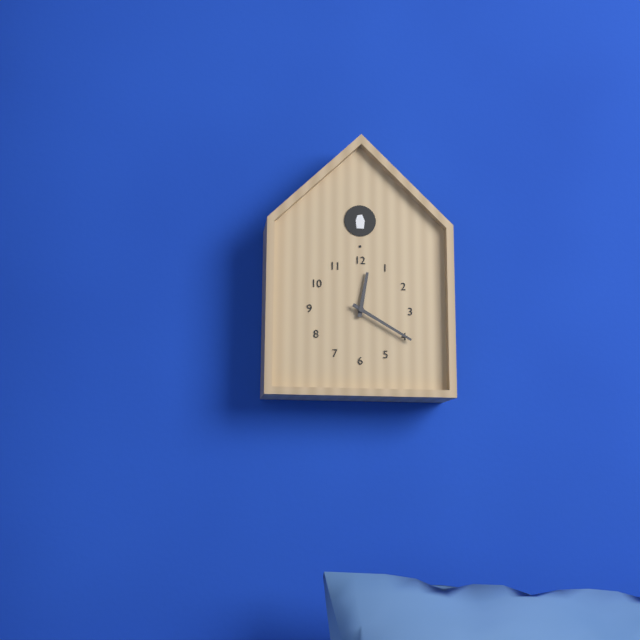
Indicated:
12.20
